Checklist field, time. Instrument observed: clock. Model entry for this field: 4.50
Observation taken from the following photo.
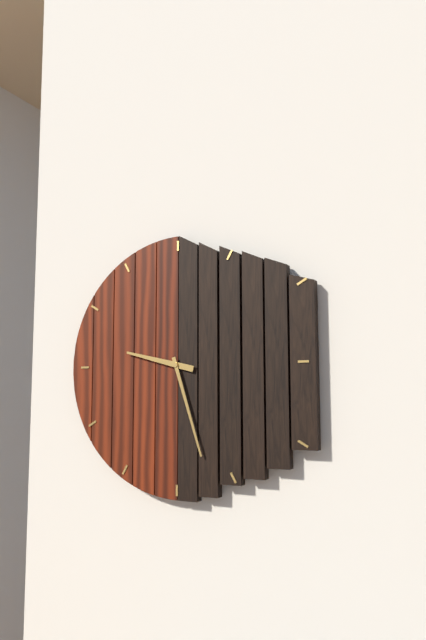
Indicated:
9.27
